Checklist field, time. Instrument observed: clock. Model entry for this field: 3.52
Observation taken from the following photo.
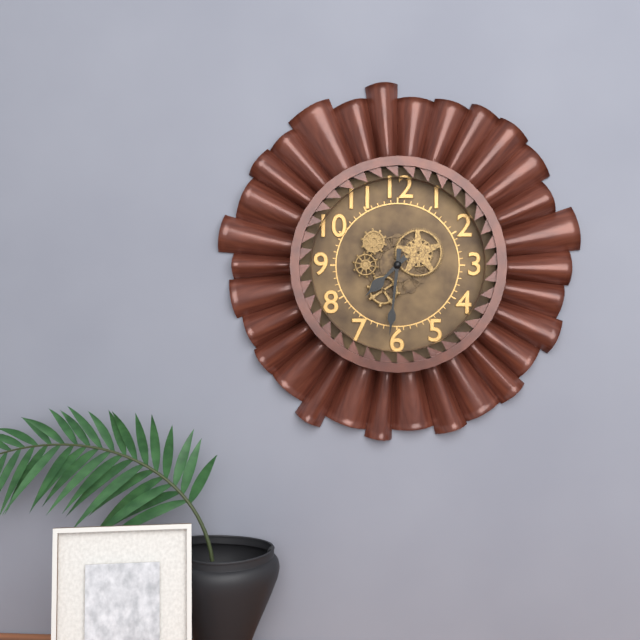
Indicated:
7.31
